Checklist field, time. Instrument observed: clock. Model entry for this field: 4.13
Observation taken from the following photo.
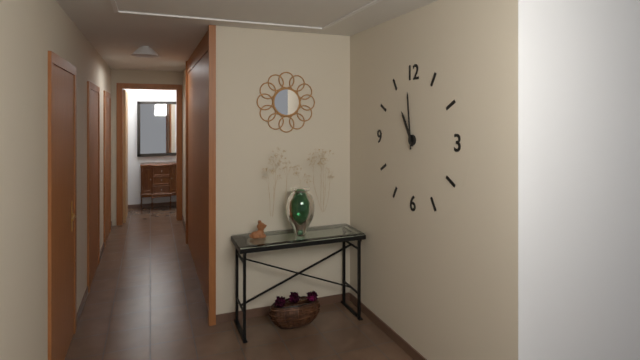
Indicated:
10.59
